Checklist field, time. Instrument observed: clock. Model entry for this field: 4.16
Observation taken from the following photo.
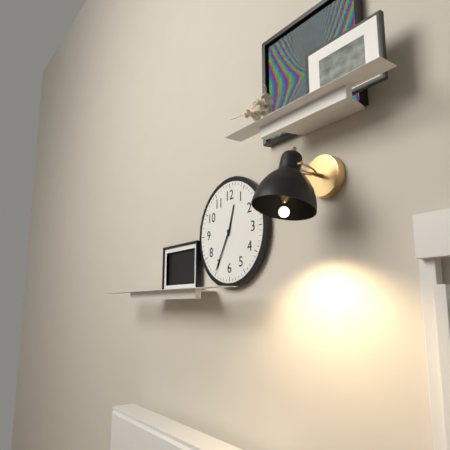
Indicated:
12.35
